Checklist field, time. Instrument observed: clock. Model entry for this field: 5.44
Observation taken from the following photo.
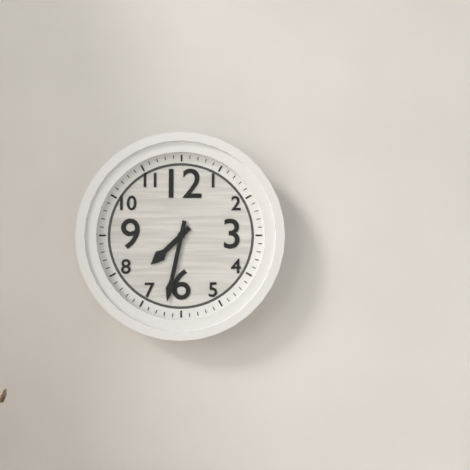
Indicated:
7.32
